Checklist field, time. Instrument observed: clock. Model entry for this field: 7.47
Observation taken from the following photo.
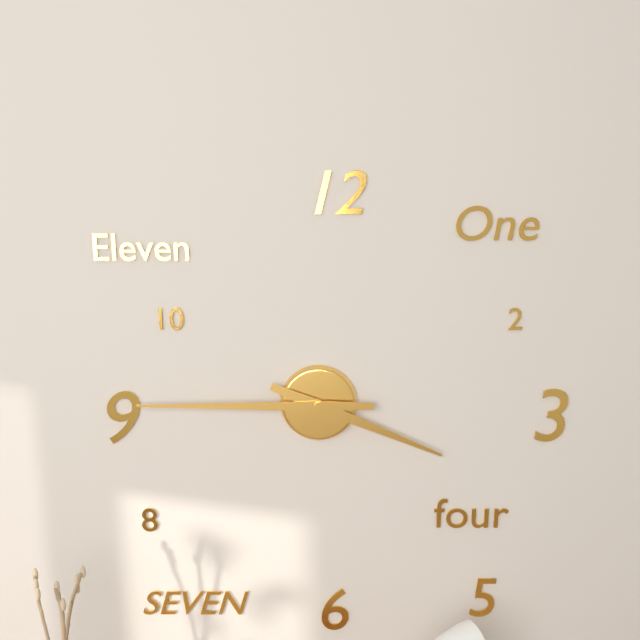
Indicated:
3.45
